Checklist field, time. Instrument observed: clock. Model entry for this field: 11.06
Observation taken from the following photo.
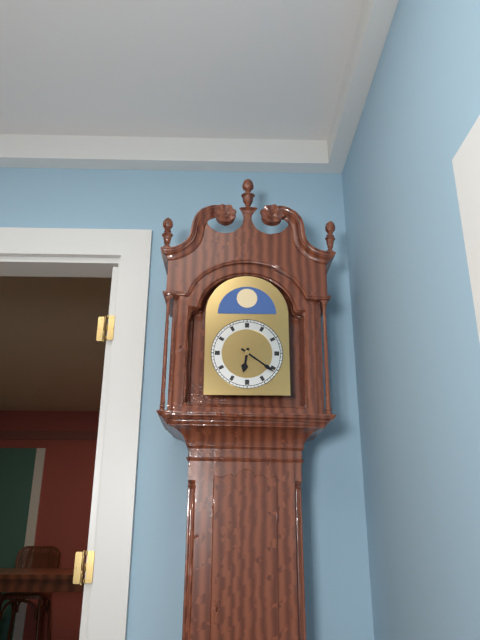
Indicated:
6.21
